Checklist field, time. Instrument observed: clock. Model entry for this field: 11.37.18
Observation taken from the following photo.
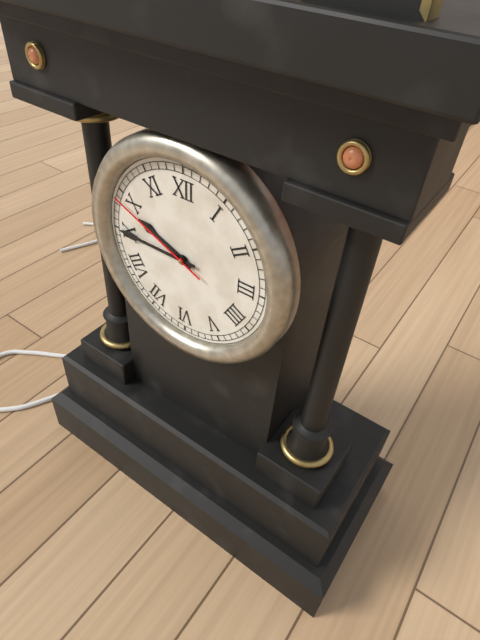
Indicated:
9.45.49
